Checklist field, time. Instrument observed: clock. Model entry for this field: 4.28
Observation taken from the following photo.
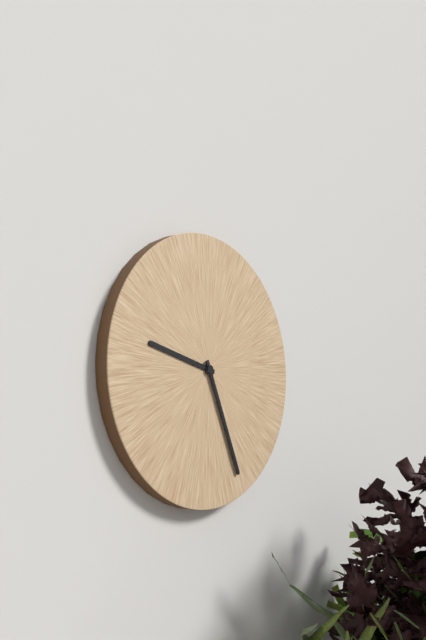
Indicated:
9.26
